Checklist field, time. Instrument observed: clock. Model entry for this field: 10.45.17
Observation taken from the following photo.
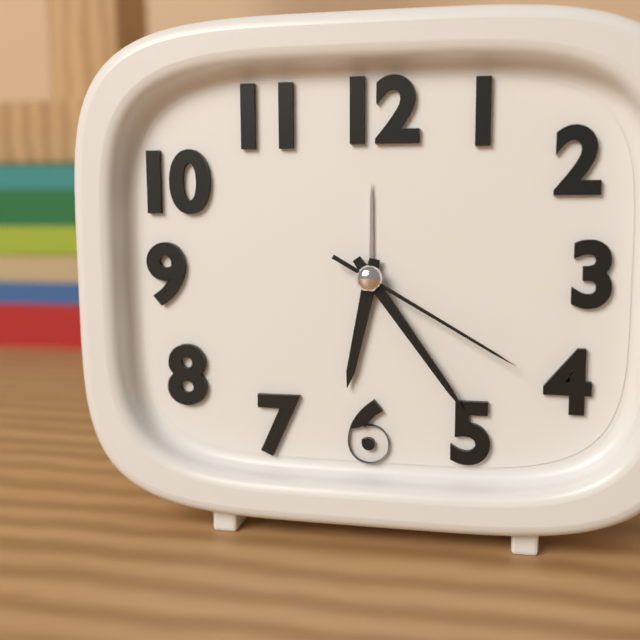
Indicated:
6.24.20
